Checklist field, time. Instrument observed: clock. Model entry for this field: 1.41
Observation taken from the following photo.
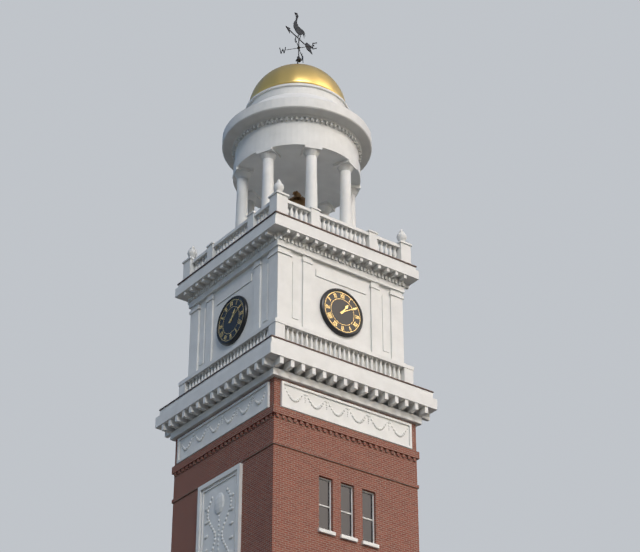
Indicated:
1.10
